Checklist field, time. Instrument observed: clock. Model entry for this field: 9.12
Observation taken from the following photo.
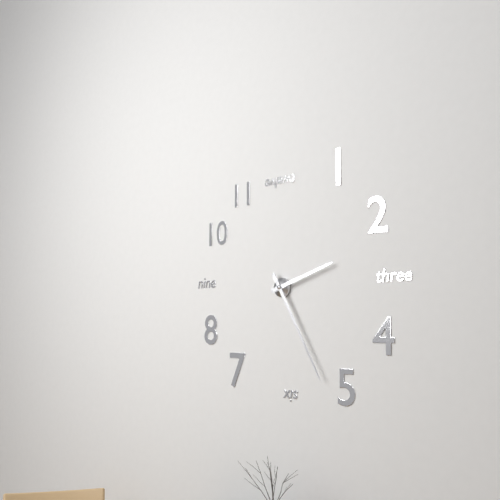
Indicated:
2.25
